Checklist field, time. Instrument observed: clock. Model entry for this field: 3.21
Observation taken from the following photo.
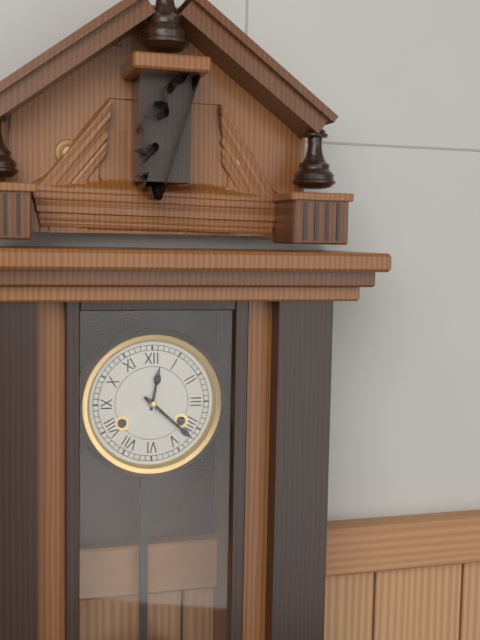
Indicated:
12.22
